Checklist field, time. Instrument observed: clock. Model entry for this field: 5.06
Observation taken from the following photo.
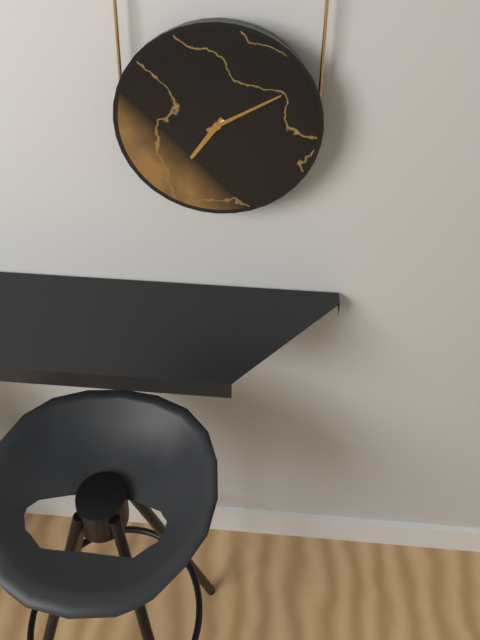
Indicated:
7.10
